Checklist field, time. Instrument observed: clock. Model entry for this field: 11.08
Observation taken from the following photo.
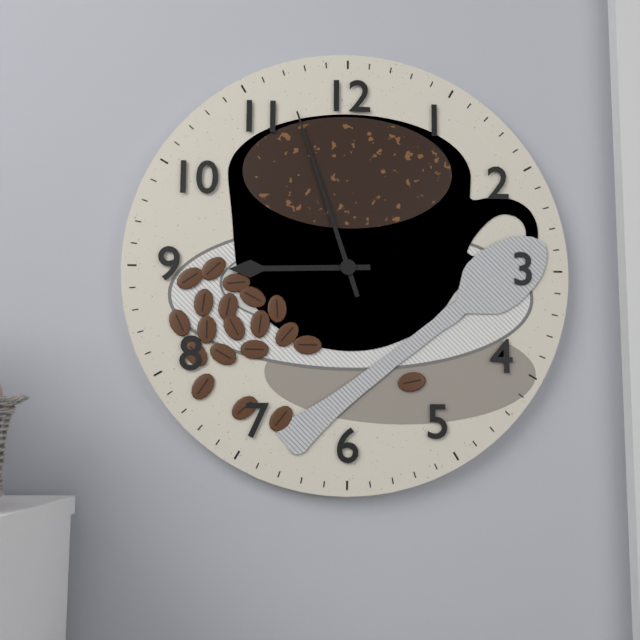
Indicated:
8.57
